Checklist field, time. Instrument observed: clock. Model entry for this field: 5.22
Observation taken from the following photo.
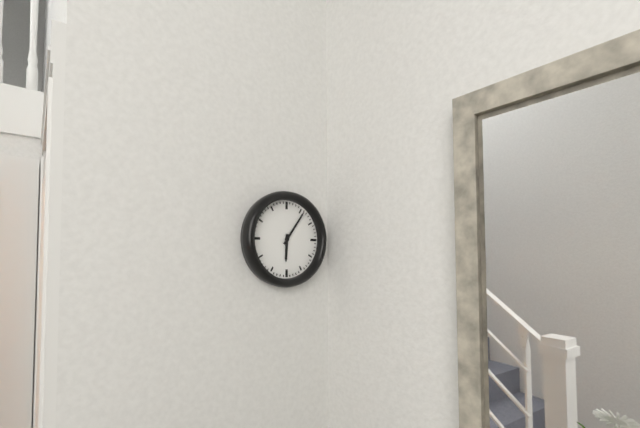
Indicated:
6.06
